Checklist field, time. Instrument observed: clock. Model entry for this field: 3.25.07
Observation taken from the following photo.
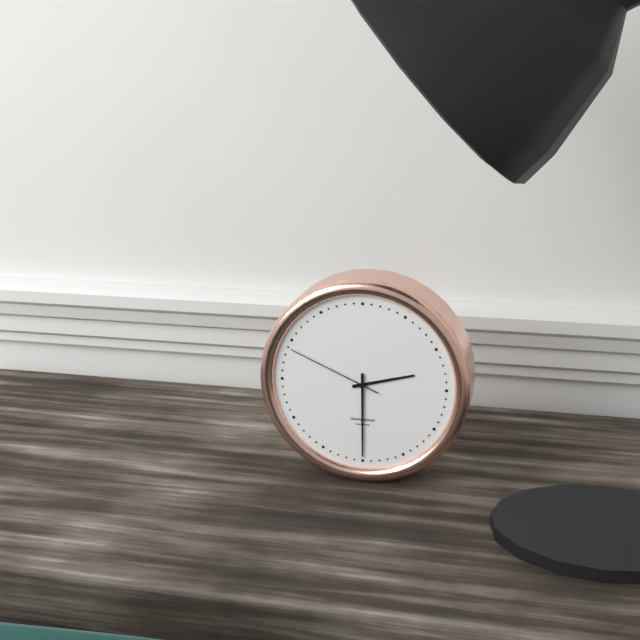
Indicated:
2.30.49
